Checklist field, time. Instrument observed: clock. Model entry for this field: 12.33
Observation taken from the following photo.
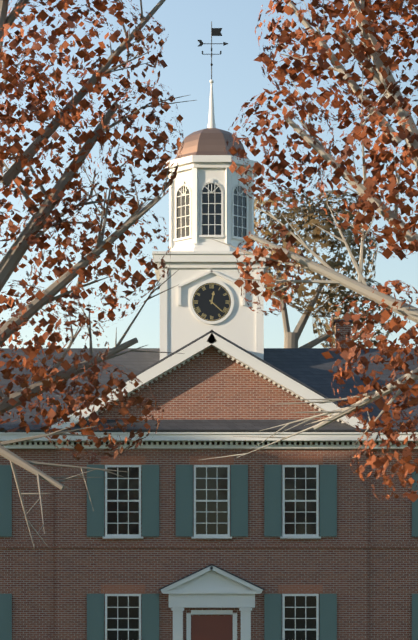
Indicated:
12.22
